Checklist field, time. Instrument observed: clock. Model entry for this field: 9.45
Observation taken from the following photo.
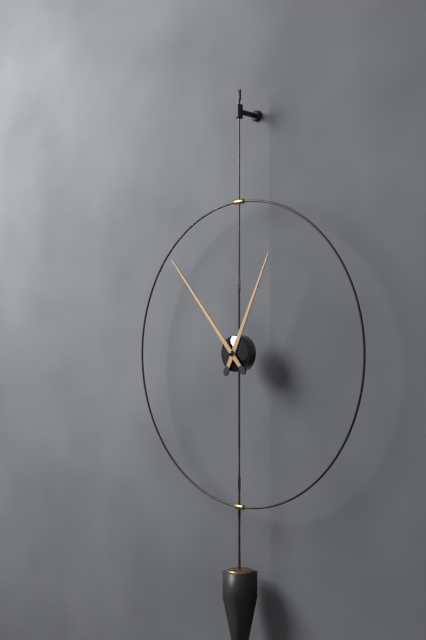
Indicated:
12.53
